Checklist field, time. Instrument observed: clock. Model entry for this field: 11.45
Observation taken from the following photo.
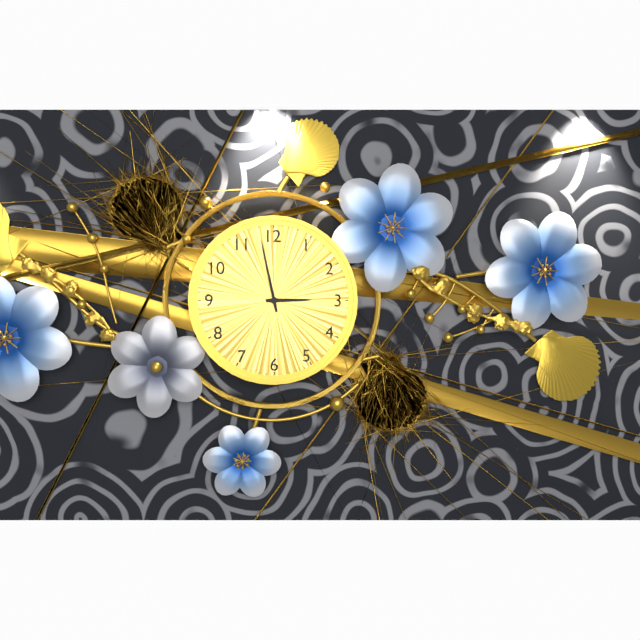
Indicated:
2.58
